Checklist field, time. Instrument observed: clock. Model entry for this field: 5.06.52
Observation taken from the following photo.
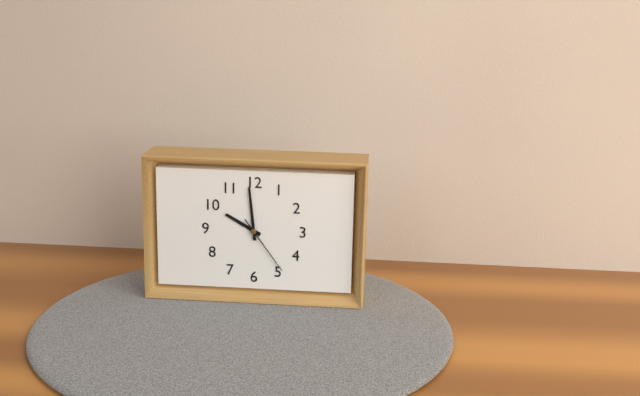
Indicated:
9.59.24
